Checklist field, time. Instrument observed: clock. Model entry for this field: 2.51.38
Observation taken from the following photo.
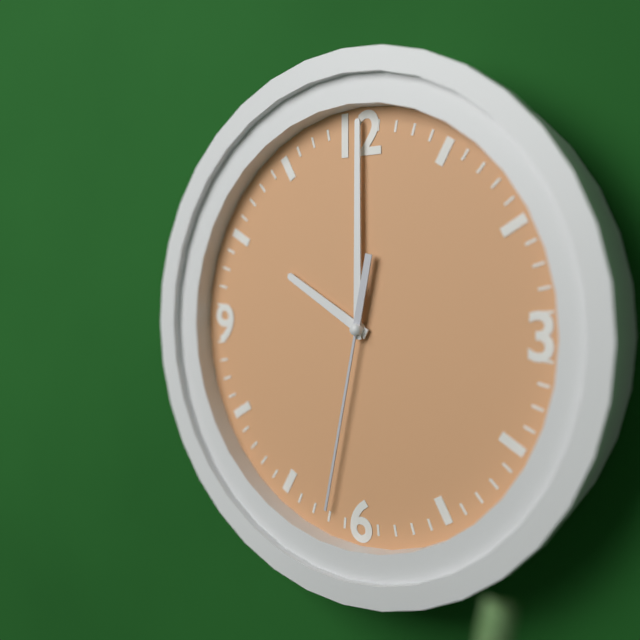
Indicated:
10.00.32
